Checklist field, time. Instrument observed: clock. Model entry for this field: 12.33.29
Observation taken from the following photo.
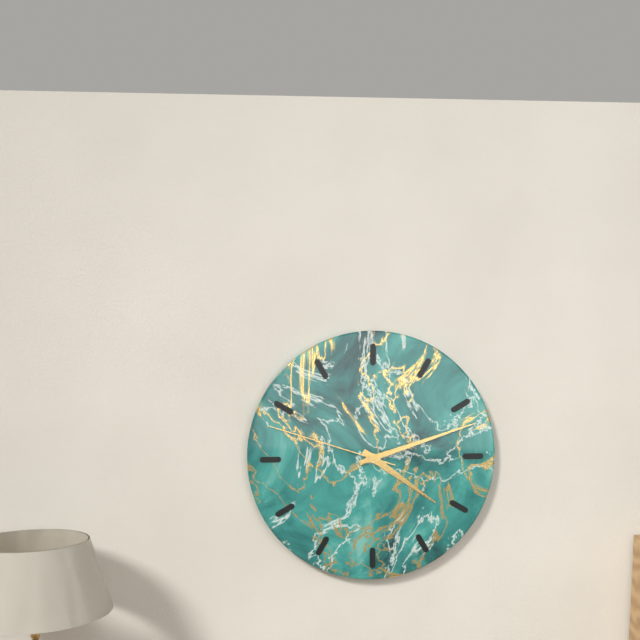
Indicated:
4.12.48
